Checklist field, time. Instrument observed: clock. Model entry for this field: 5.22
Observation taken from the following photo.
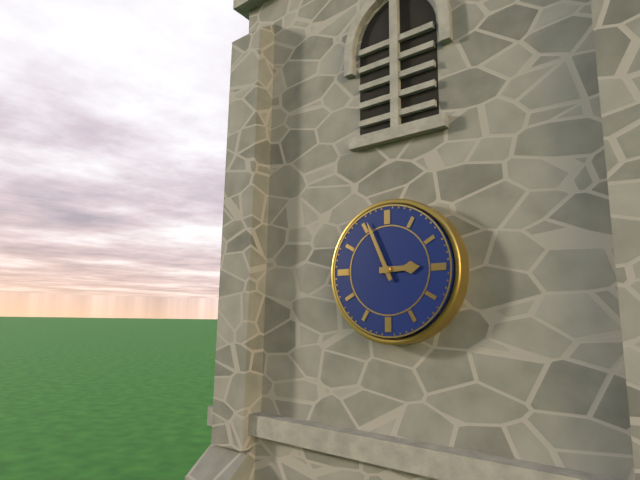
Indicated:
2.56
